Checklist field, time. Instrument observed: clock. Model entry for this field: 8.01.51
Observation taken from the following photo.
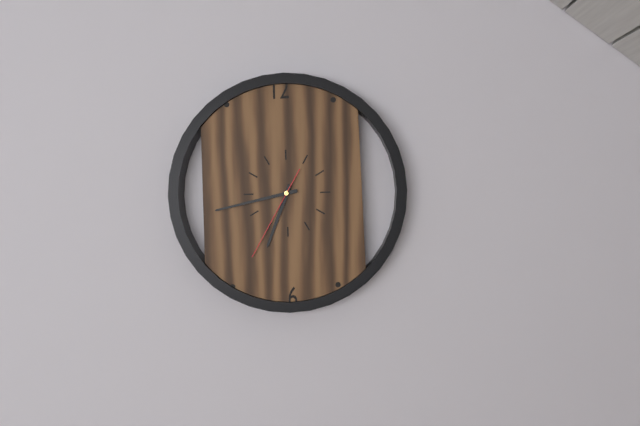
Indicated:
6.43.35
